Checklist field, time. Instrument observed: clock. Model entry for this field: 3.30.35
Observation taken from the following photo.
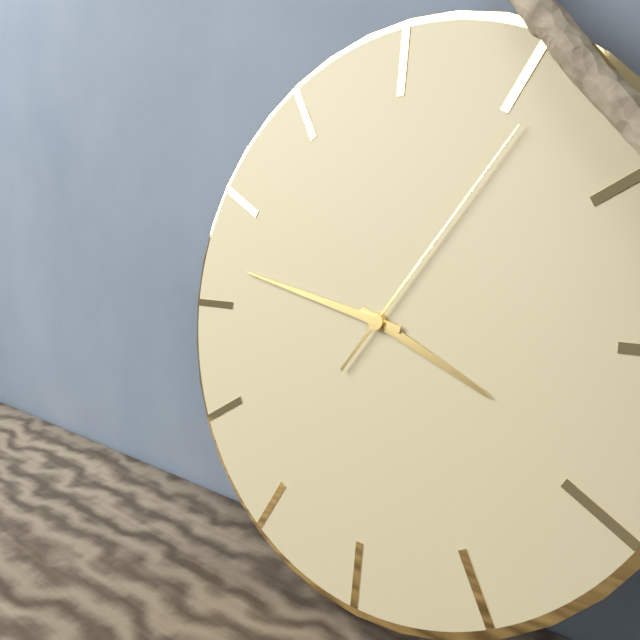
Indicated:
3.47.06
